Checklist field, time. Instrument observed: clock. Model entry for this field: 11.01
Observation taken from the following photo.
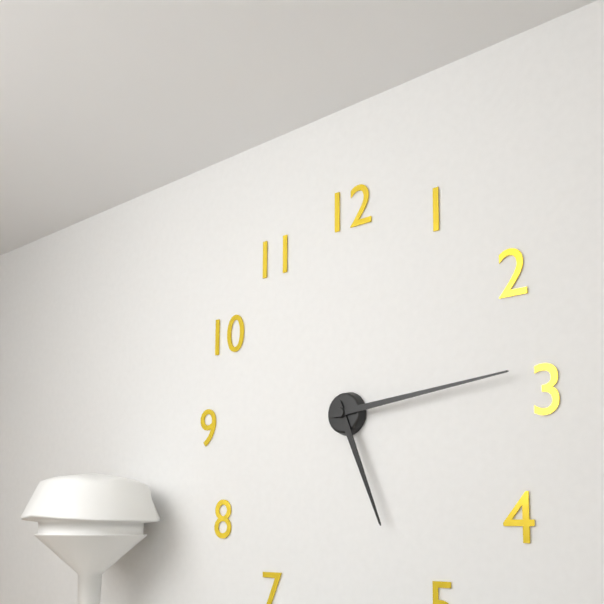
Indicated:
5.14
